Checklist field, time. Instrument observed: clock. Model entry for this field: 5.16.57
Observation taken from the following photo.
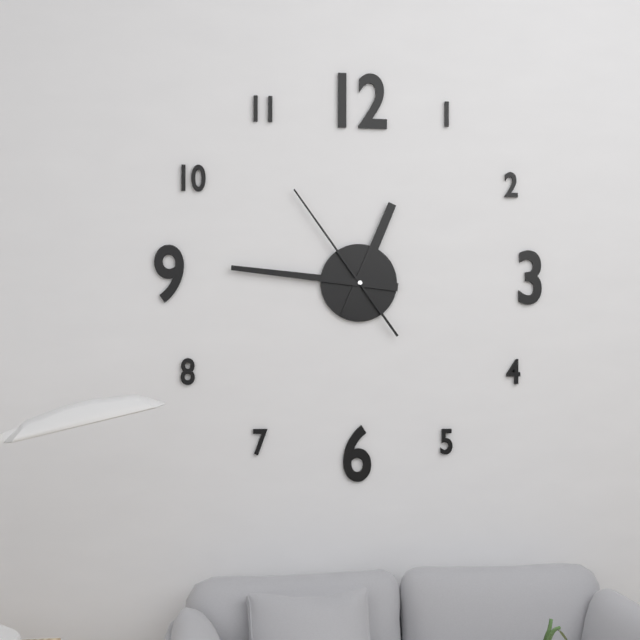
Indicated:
12.46.54
